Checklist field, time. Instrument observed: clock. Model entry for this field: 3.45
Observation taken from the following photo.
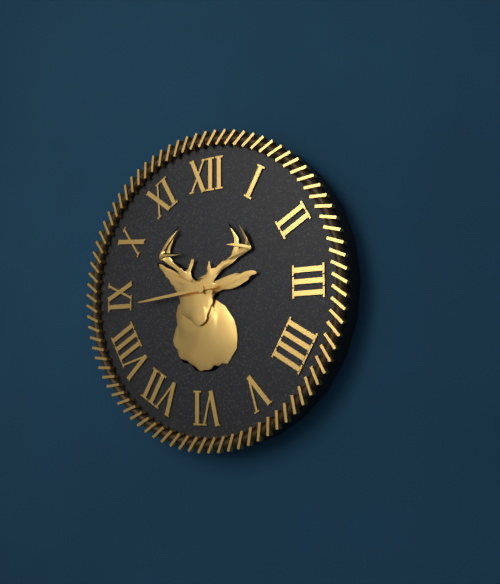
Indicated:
9.44
